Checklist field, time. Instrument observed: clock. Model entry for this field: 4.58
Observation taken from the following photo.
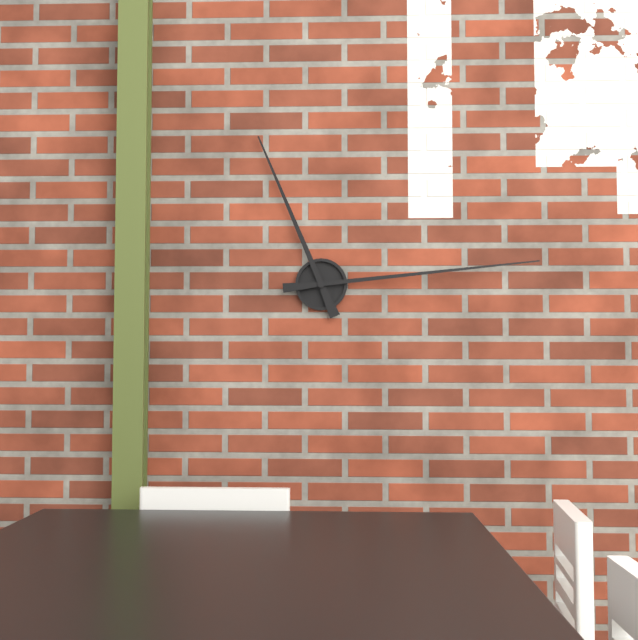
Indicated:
11.14
